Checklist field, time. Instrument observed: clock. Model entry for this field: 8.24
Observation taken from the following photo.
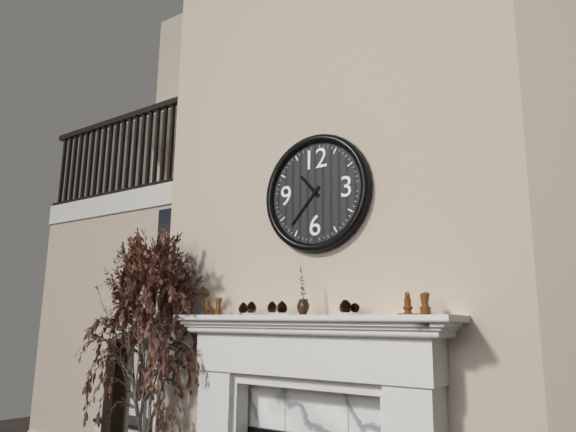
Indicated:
10.37
